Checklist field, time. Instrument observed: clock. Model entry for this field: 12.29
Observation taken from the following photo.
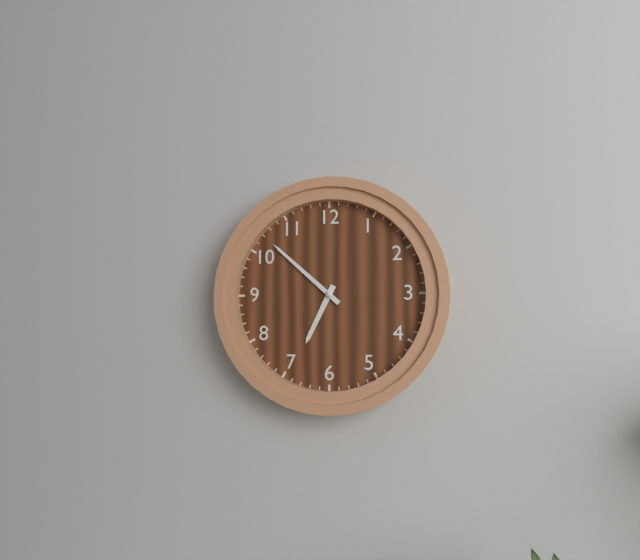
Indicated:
6.52
